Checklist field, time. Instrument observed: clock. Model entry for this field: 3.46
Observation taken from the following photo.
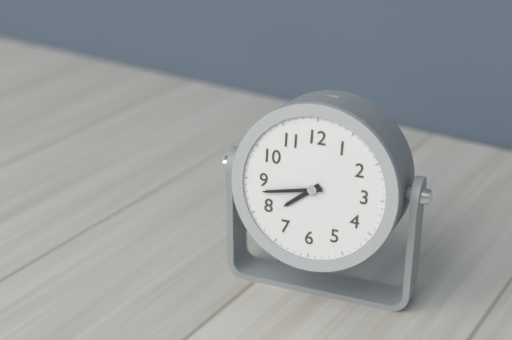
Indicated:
7.43
